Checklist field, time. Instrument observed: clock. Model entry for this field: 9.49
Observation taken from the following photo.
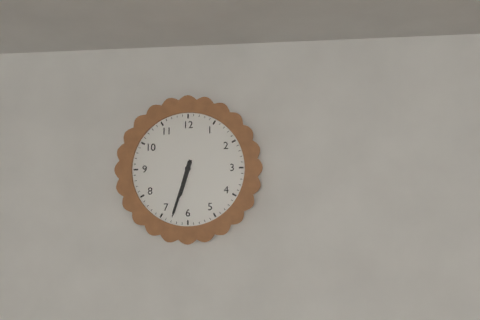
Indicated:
6.33
